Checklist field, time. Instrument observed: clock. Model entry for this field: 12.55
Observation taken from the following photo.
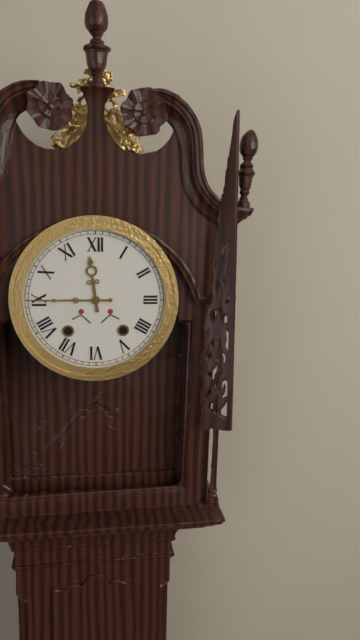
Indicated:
11.45
